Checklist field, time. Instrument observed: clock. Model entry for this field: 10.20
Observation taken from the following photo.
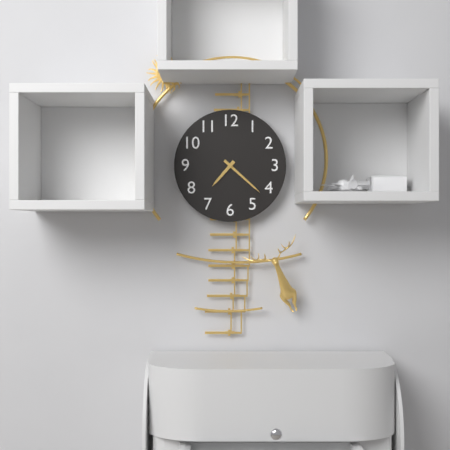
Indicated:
7.22
